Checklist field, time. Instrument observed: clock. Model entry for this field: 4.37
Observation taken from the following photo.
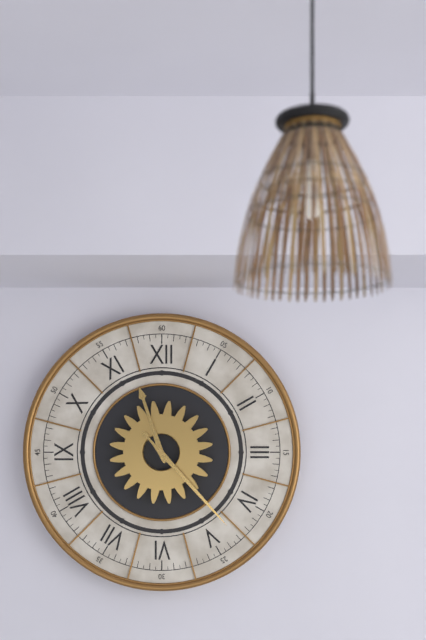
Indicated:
11.23
